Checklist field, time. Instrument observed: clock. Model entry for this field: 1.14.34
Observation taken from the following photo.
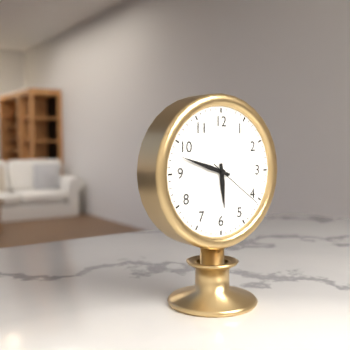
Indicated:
5.48.21
